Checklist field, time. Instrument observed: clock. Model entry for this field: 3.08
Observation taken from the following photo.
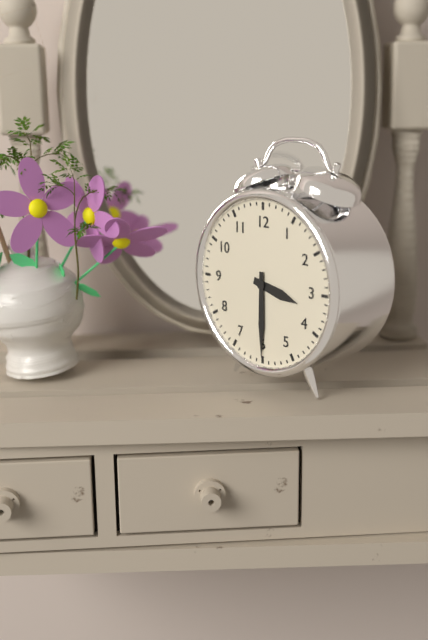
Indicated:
3.30
